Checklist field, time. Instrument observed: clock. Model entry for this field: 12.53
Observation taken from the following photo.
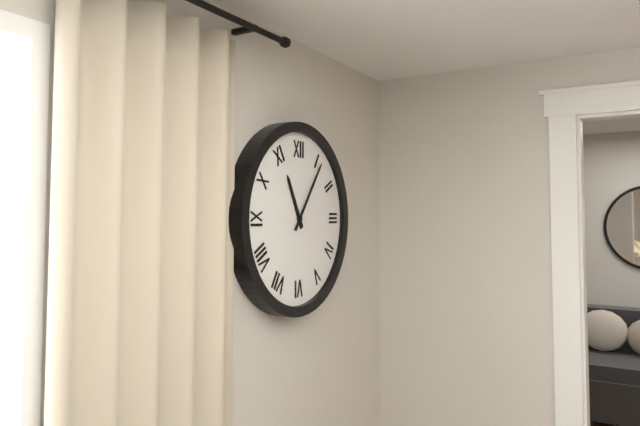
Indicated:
11.06
